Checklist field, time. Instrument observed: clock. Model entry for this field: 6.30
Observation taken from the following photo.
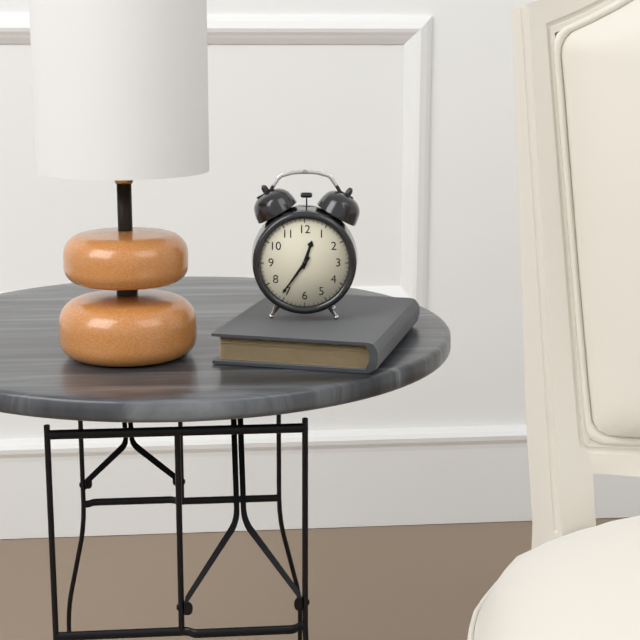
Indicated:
12.36
